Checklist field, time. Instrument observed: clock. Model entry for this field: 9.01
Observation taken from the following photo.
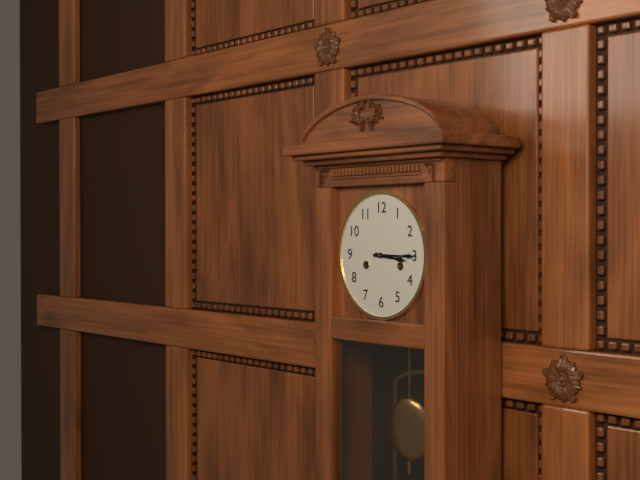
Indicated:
3.15
